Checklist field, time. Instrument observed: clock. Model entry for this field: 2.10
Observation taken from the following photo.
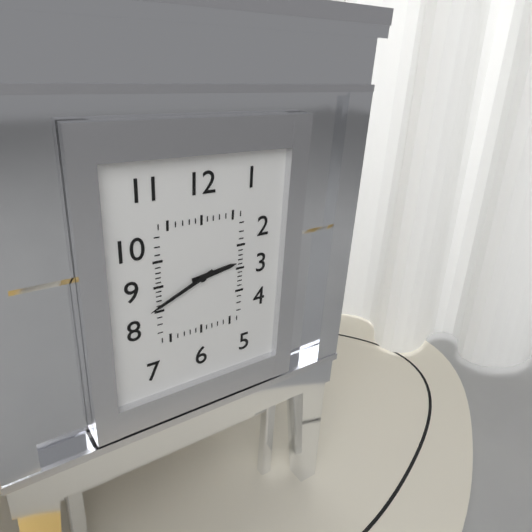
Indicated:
2.41
